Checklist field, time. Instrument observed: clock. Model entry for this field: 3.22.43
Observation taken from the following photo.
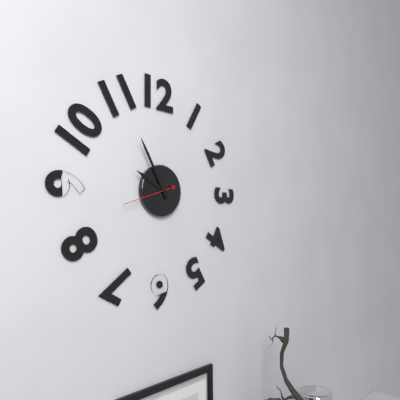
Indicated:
9.55.42
